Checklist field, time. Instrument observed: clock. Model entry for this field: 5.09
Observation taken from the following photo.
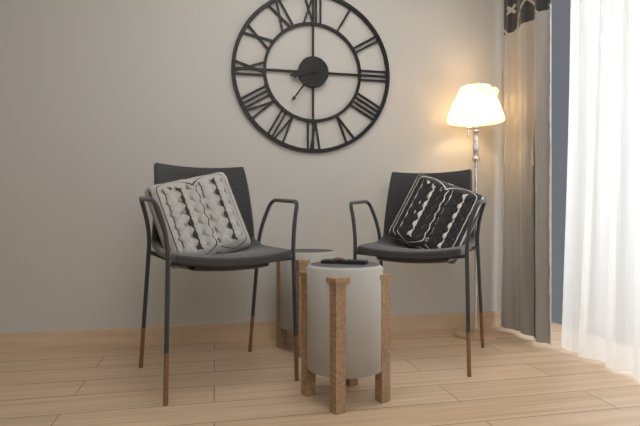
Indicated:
8.36
